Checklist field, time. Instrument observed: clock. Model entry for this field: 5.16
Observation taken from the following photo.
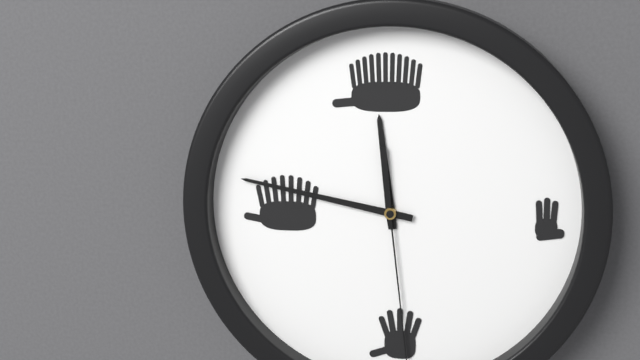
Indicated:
11.47
